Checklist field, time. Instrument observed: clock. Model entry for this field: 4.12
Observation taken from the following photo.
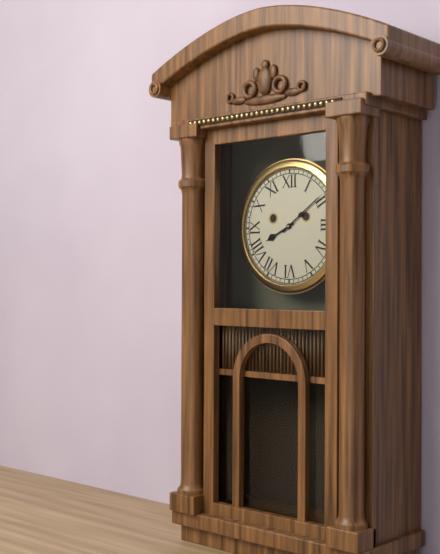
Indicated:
8.09
